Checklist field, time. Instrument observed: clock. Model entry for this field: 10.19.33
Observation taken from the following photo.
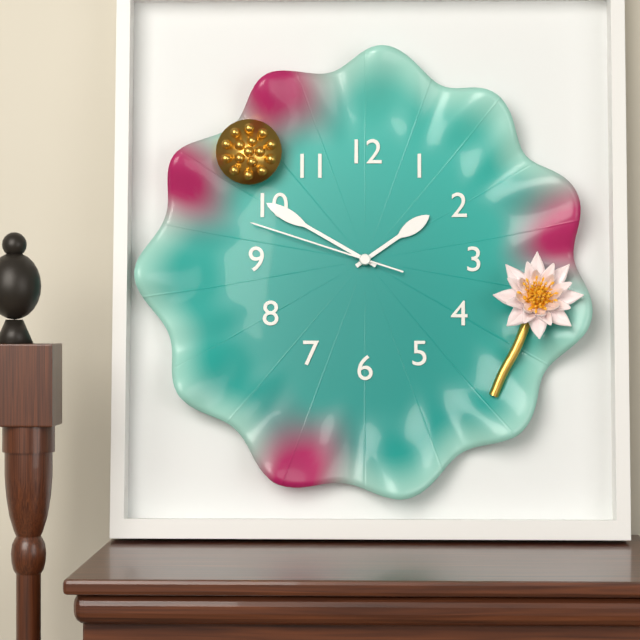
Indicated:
1.50.48
